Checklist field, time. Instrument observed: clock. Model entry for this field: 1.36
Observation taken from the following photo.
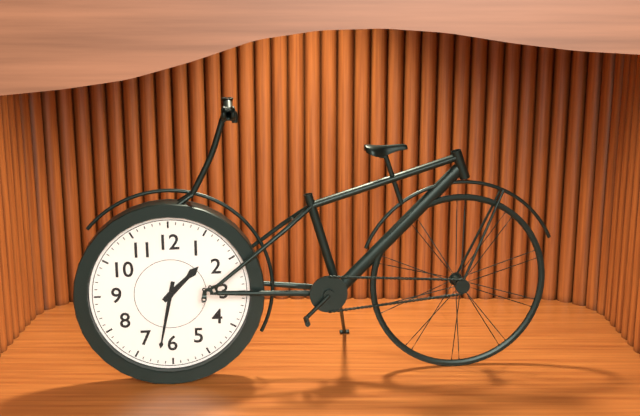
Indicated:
1.32
